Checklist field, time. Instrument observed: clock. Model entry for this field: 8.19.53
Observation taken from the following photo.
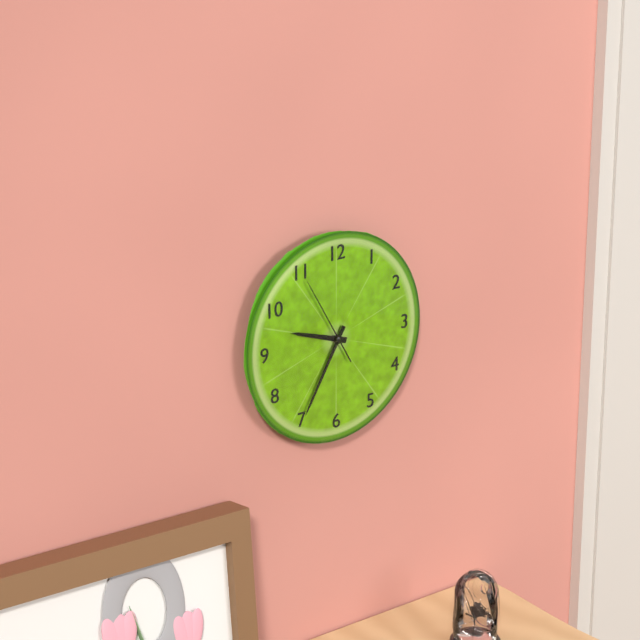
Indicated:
9.35.55
